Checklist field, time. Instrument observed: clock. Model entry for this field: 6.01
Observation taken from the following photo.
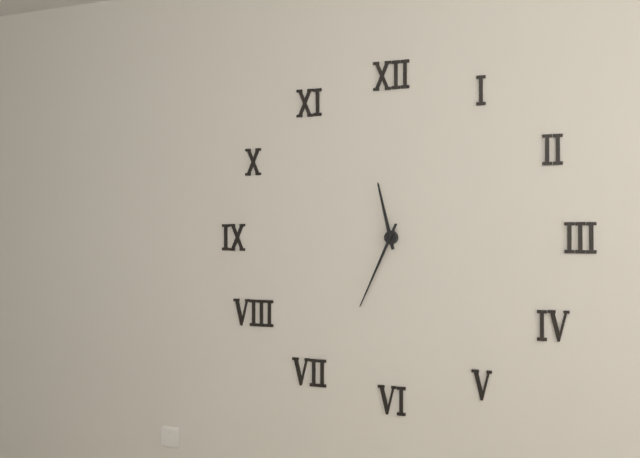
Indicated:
11.34
